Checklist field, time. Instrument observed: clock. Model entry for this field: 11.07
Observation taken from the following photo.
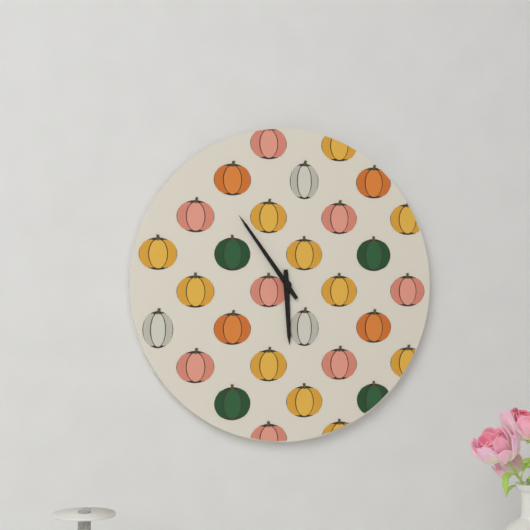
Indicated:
5.54
